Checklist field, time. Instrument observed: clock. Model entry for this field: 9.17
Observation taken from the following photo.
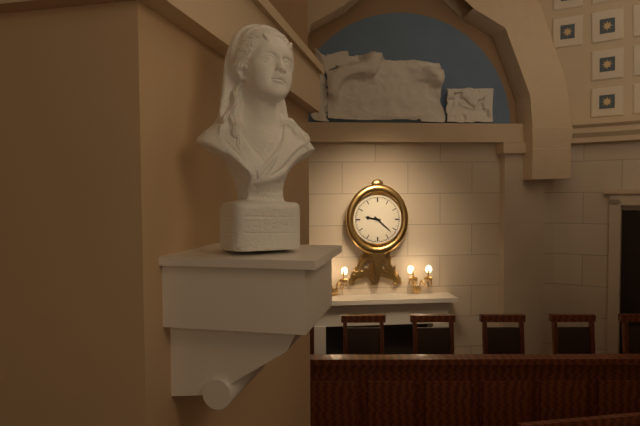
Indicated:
9.22
